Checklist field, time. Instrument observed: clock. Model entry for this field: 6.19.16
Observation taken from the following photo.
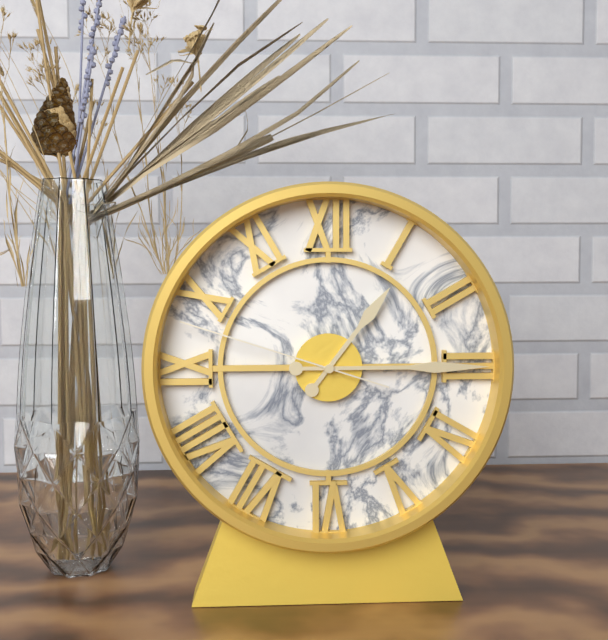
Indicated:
1.15.48
